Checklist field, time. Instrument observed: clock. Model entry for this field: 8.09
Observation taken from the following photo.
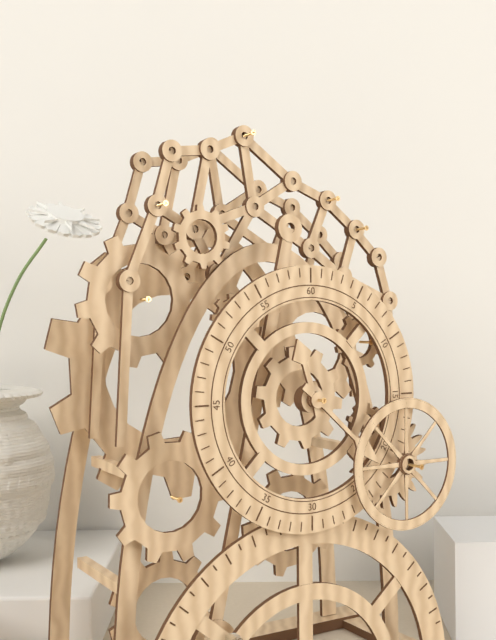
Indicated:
11.22
